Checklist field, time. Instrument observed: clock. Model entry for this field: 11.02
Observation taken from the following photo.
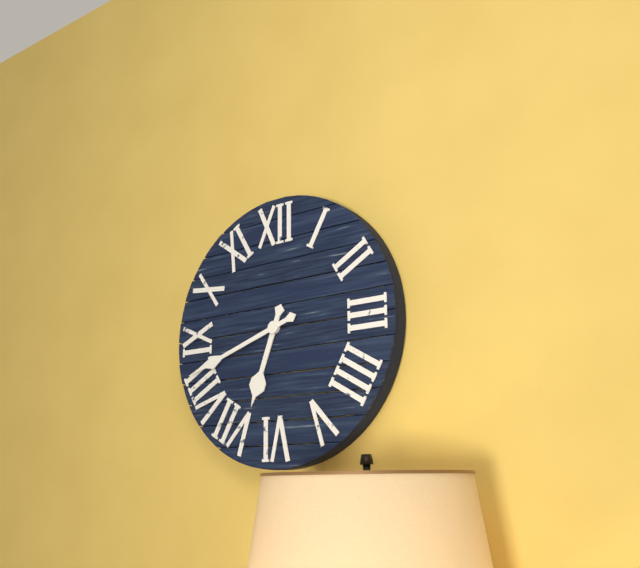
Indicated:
6.42
